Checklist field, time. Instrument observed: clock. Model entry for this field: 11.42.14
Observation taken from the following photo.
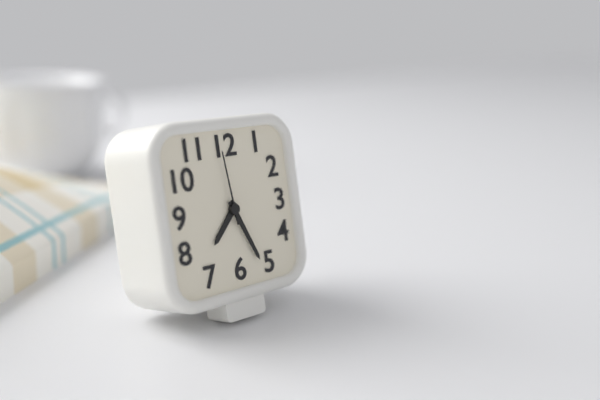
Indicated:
7.26.59
